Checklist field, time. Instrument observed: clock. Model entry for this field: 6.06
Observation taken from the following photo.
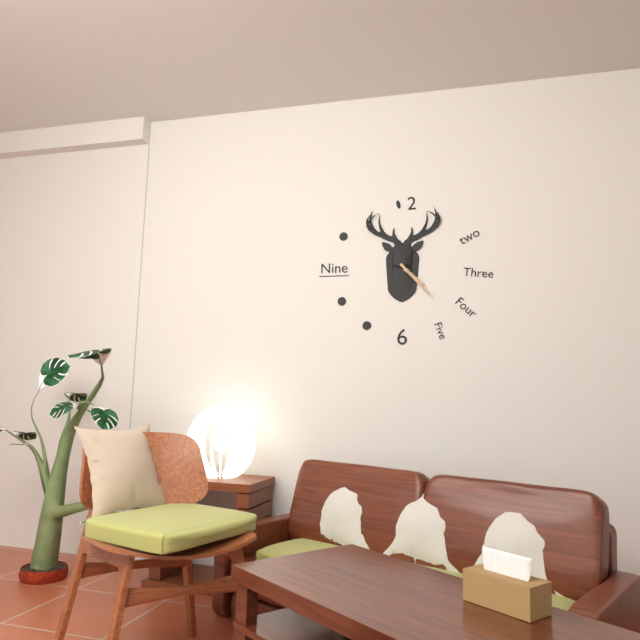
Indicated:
4.23
